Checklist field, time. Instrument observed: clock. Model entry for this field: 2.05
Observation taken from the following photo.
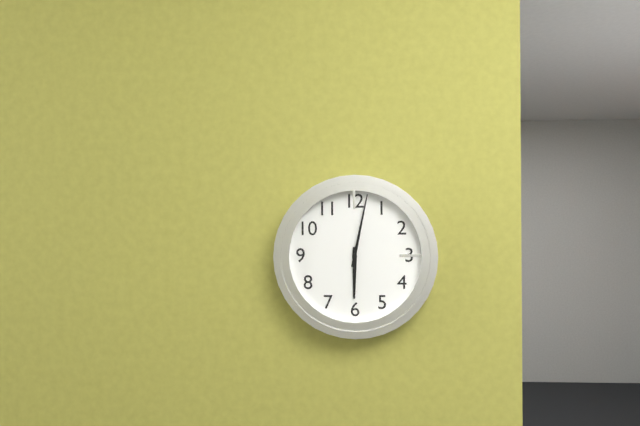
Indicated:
6.02
